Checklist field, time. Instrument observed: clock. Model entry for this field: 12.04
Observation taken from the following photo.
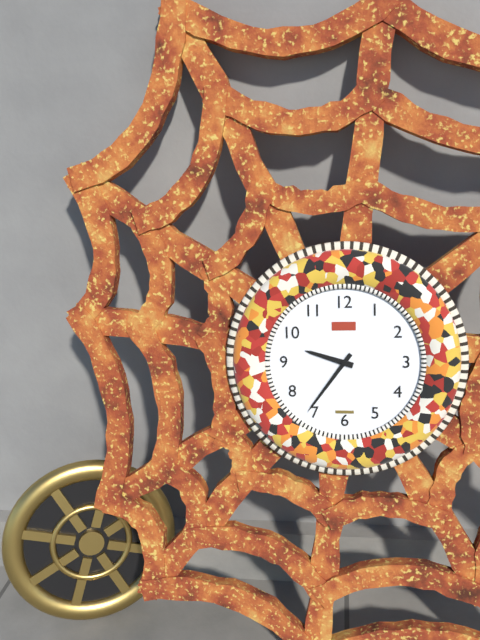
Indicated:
9.36
